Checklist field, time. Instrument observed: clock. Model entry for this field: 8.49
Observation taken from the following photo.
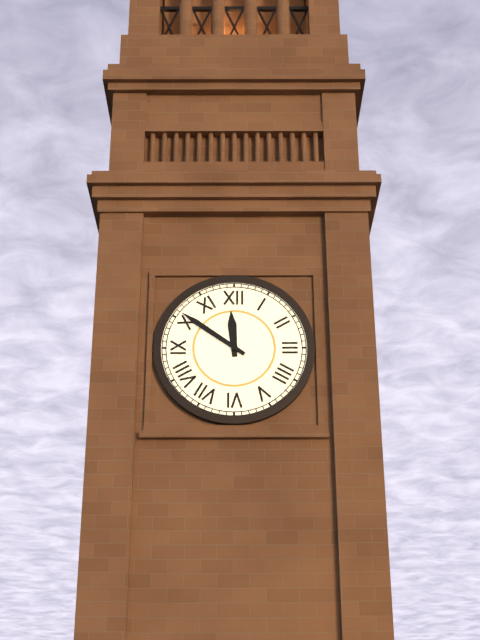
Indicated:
11.51
